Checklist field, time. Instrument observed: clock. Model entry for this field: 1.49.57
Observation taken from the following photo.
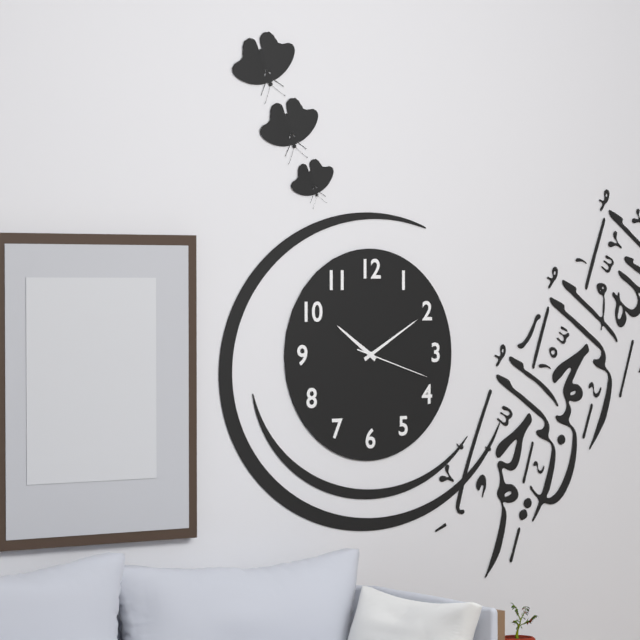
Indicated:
10.10.18
